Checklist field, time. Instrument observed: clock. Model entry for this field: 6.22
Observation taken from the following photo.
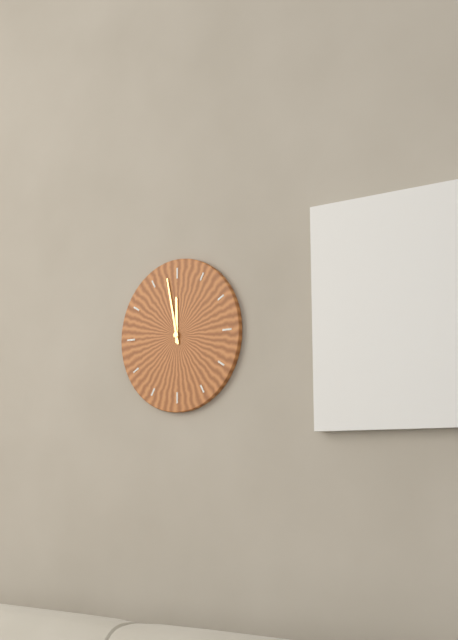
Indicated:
11.58
